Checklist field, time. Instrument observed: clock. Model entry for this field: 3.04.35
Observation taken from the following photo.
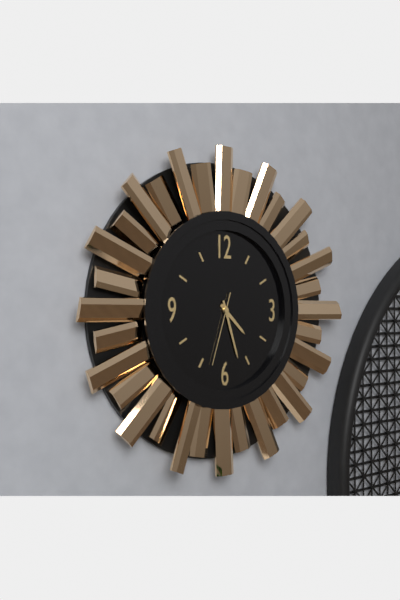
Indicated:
4.27.33
